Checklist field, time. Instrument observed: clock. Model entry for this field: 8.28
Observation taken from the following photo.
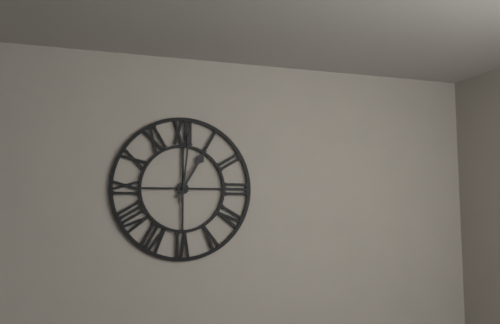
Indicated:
1.01
